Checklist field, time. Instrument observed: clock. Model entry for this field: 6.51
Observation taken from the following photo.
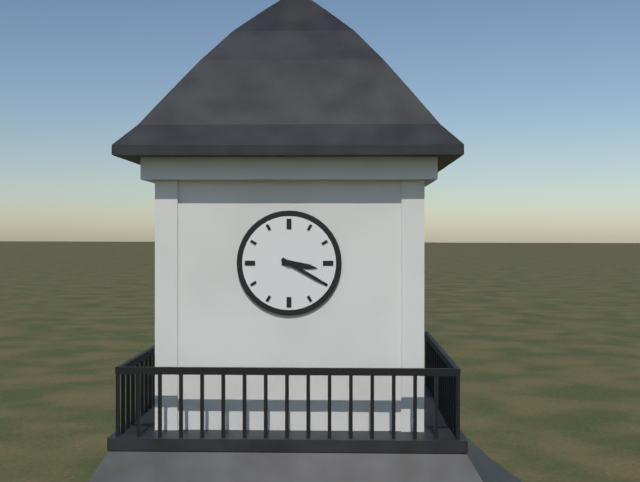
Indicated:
3.20
